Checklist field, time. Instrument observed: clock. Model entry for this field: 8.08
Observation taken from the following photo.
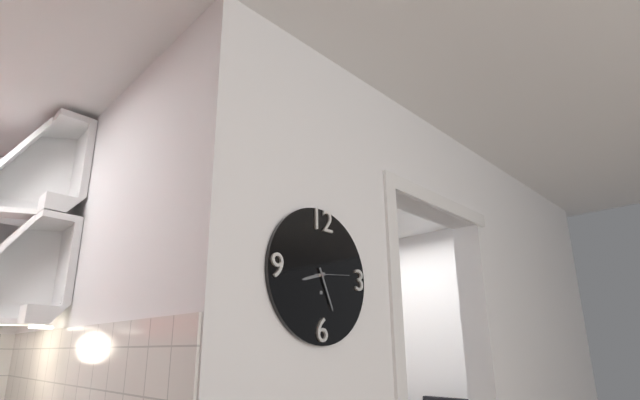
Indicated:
8.26
